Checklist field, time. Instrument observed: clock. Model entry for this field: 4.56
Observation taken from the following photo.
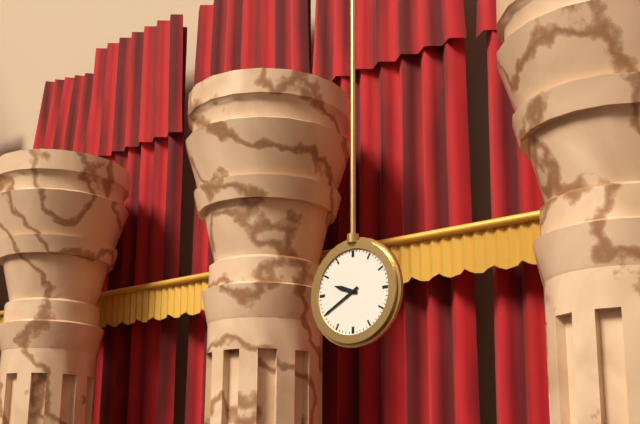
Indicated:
9.40
